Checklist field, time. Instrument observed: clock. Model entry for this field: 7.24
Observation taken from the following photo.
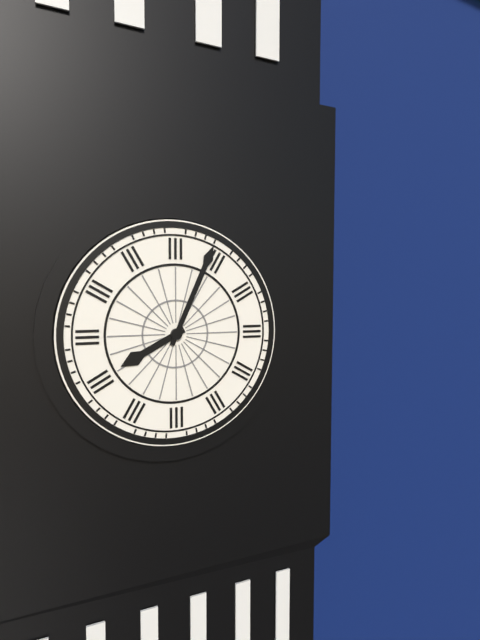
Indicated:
8.04
